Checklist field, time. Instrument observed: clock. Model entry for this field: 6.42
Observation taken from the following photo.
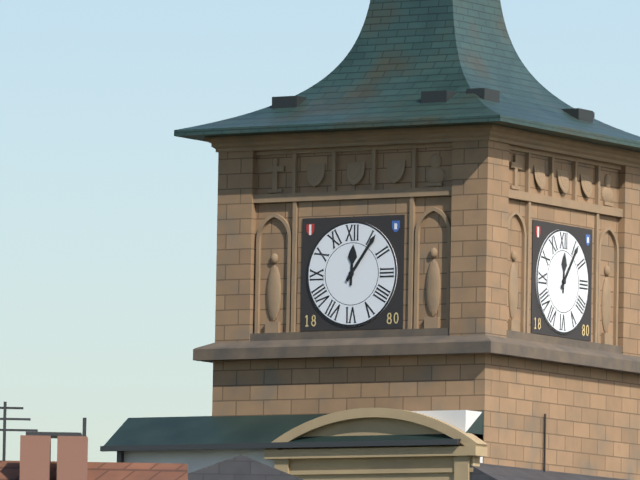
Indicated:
12.06
